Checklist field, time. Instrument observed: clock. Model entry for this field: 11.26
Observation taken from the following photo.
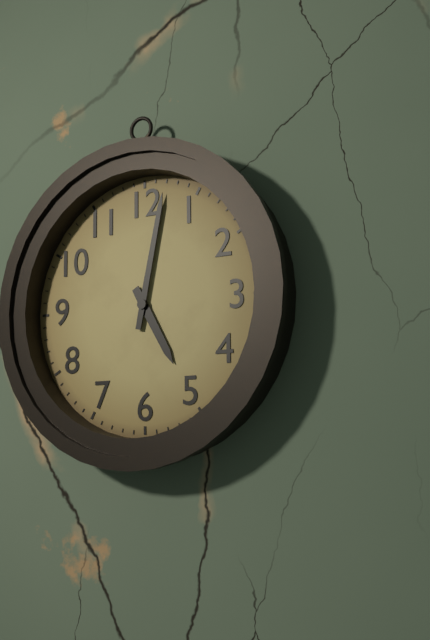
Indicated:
5.02
